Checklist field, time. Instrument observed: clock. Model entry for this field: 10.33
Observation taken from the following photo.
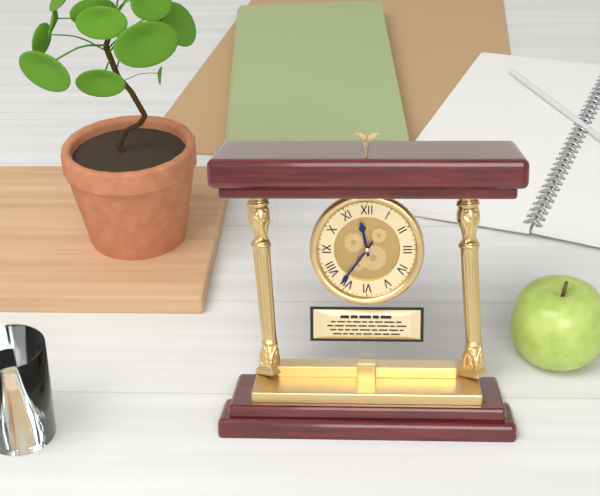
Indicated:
11.36
